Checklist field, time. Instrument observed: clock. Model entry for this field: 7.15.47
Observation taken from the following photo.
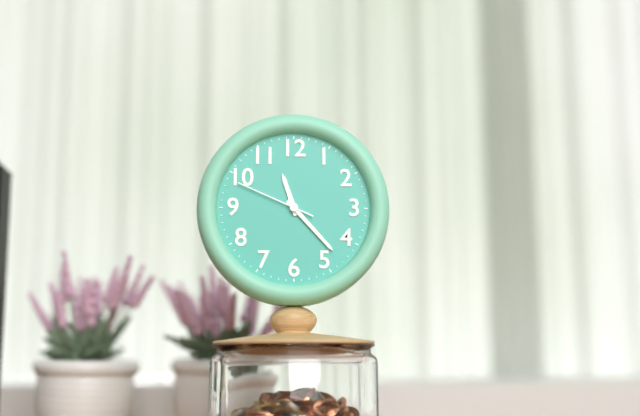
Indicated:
11.23.49
